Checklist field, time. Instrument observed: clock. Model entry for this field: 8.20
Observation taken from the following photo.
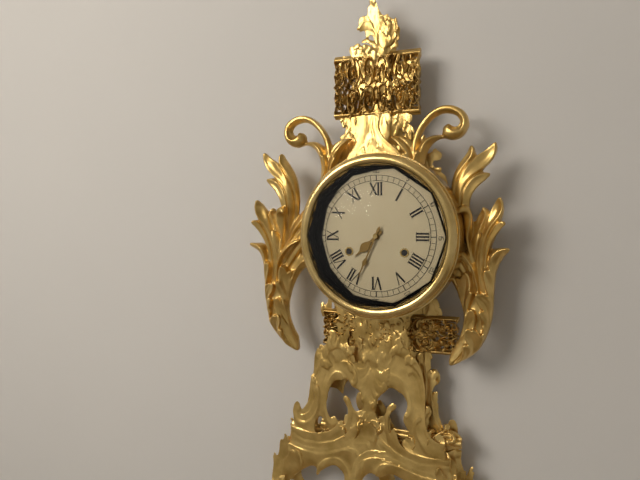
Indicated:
7.34
